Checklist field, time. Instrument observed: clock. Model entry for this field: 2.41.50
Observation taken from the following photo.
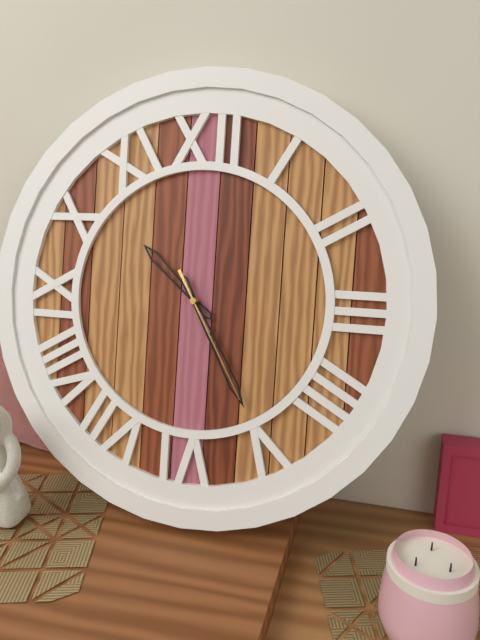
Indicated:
10.25.25
